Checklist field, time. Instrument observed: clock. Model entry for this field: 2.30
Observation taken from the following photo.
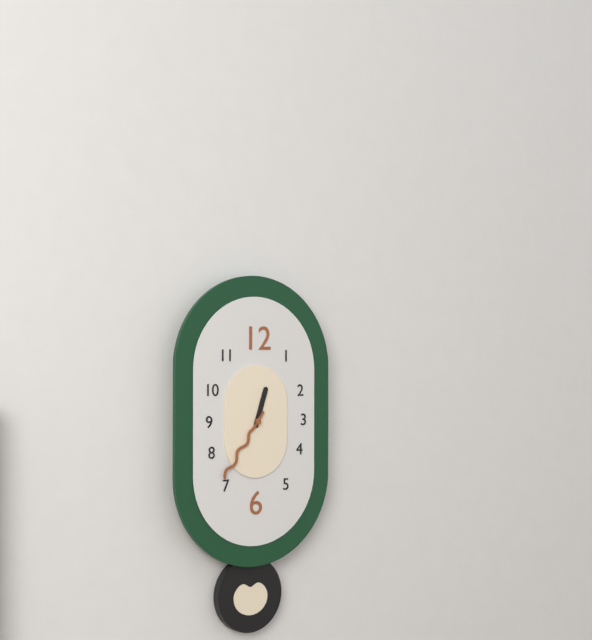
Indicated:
12.36
